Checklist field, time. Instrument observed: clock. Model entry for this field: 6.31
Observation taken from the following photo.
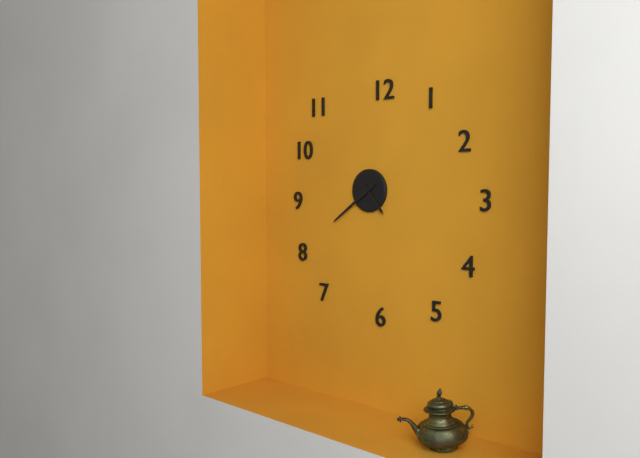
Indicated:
4.39
